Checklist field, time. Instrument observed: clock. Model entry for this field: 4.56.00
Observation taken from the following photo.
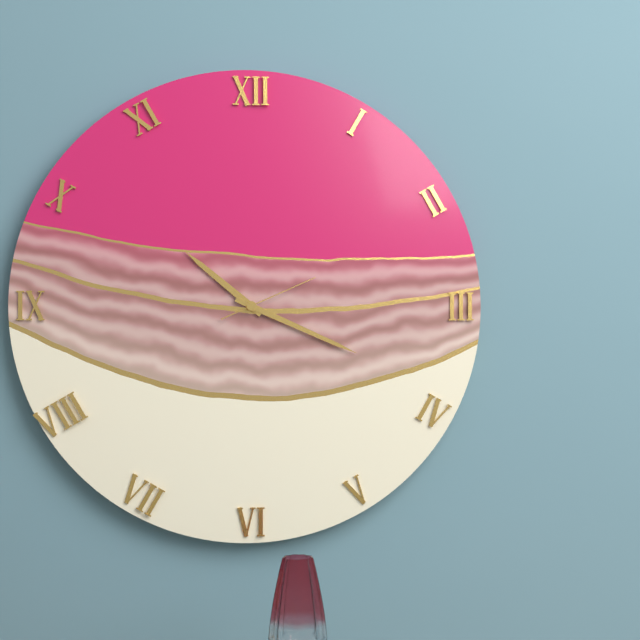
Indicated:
10.19.11
